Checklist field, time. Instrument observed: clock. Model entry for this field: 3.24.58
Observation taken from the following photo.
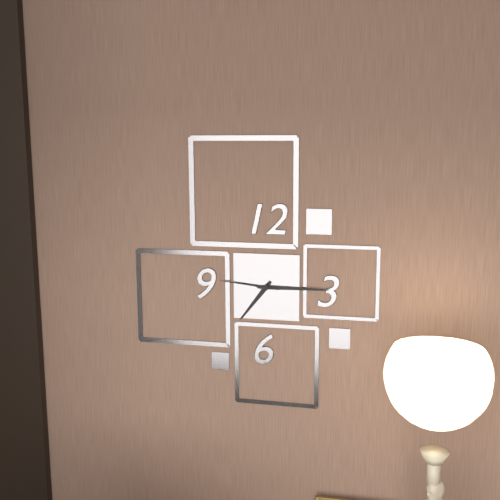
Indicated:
7.15.46
